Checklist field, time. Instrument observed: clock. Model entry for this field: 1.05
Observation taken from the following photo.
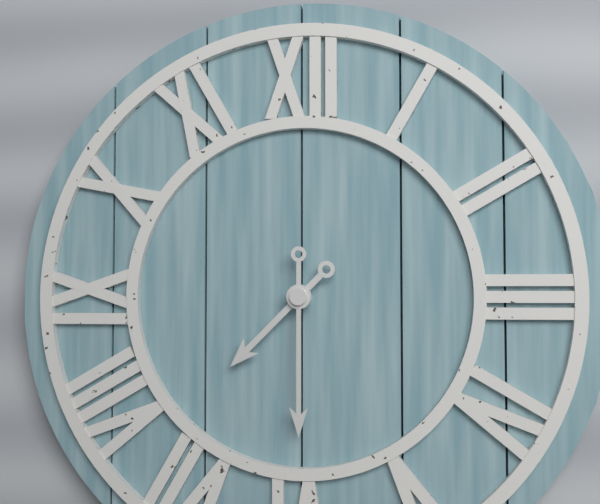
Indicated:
7.30
